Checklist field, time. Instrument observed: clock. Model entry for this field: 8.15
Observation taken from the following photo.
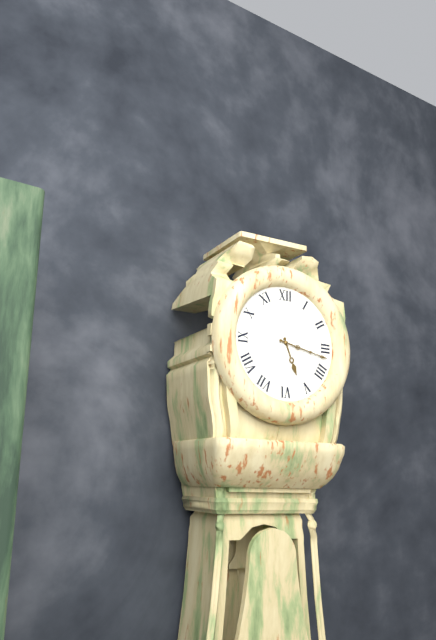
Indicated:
5.17
